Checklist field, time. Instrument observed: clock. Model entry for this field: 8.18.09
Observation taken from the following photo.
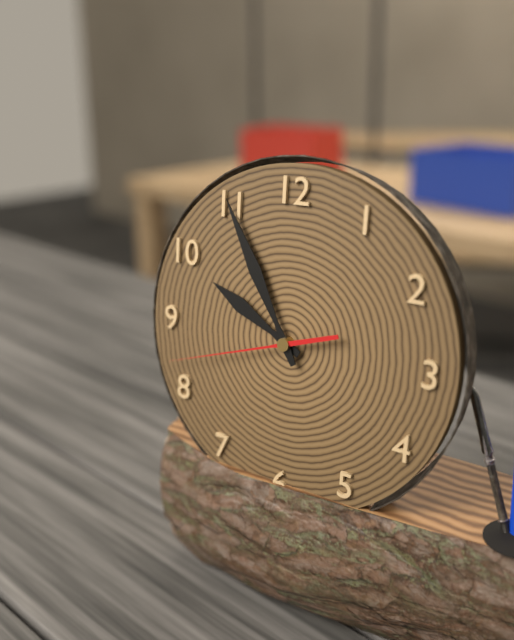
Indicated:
9.55.42
